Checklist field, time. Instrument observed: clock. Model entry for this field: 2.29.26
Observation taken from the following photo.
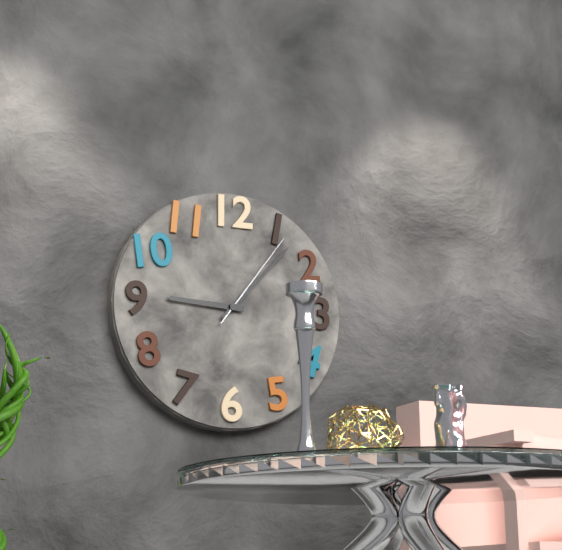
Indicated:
9.07.06
